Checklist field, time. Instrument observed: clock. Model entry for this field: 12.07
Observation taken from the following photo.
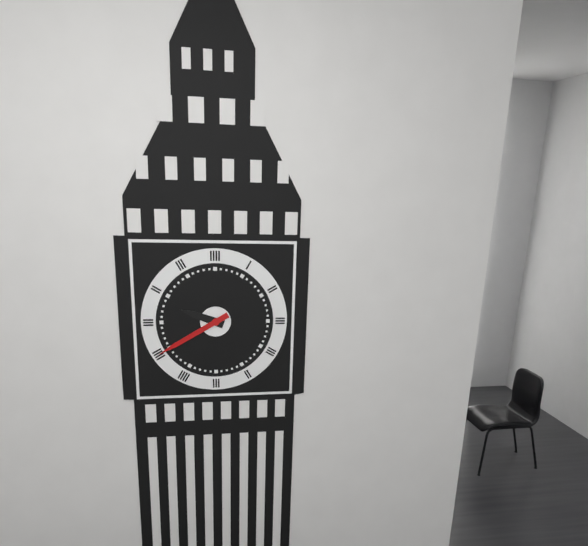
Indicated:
9.40
